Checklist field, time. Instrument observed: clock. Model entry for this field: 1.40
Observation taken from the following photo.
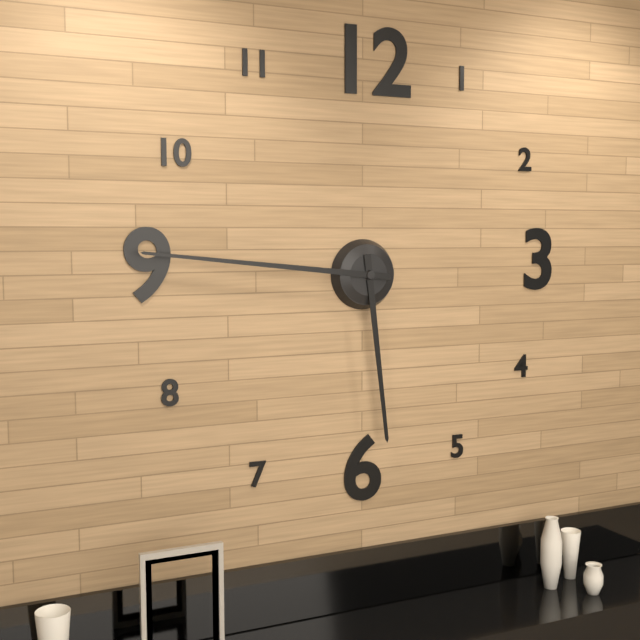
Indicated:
5.46
